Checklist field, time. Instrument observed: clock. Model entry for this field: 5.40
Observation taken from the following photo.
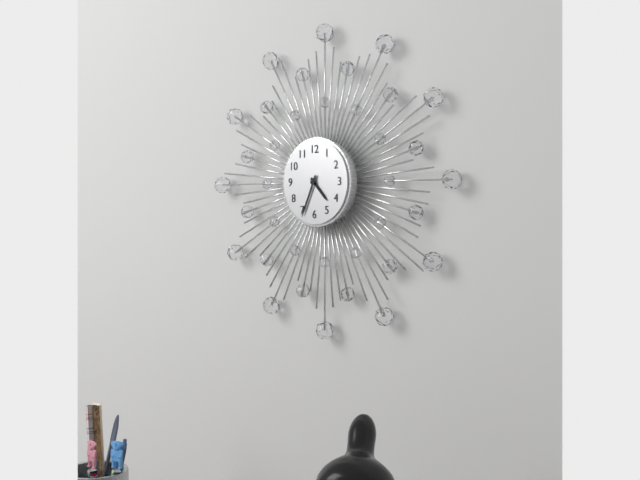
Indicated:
4.34
